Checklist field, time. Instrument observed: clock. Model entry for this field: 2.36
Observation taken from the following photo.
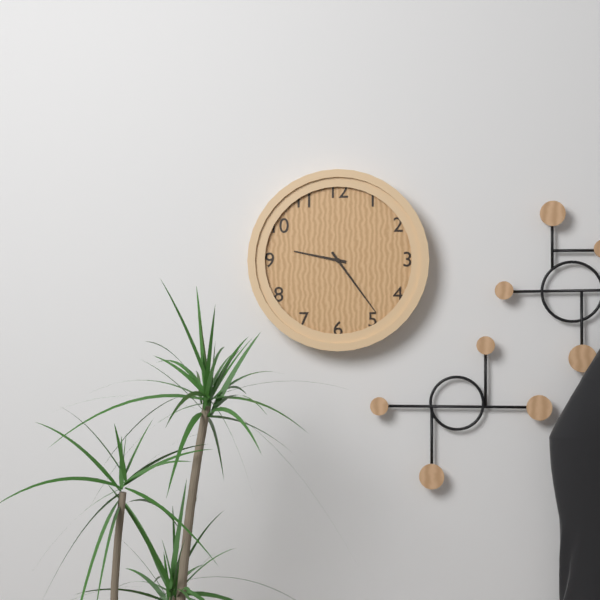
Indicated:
9.24
